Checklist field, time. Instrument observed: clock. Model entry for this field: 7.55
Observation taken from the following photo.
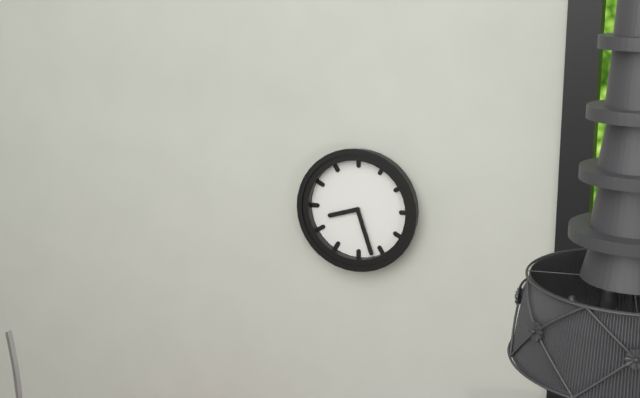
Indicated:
8.27
